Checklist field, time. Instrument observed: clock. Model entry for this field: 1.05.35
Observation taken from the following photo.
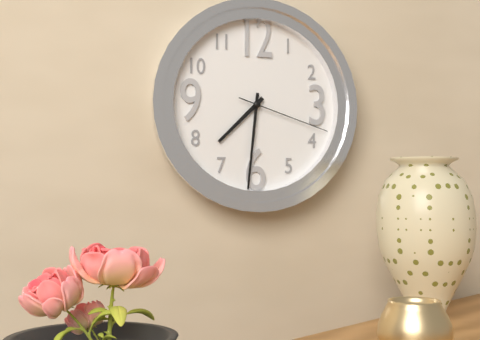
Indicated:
7.31.18
